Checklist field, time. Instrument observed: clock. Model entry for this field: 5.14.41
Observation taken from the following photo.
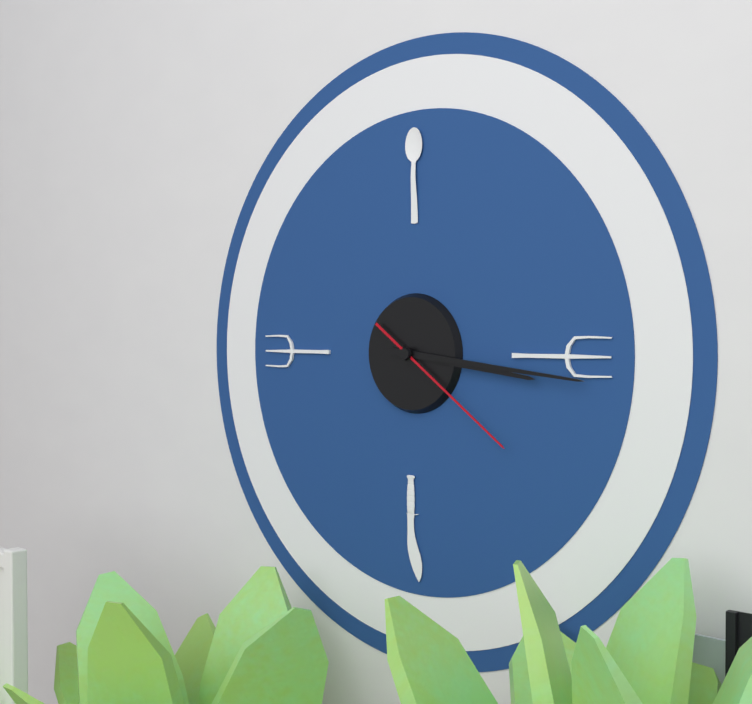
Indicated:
3.16.21
